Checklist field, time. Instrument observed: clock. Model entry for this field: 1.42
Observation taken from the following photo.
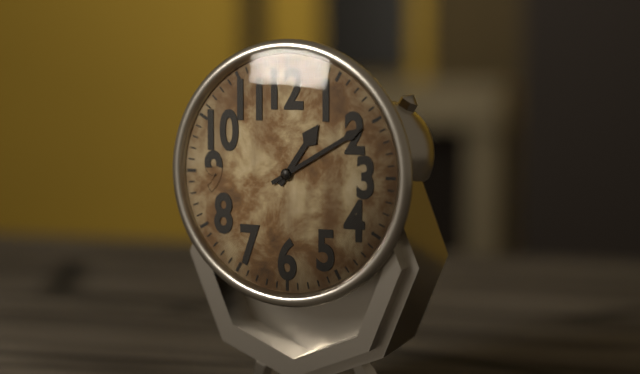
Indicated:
1.10
